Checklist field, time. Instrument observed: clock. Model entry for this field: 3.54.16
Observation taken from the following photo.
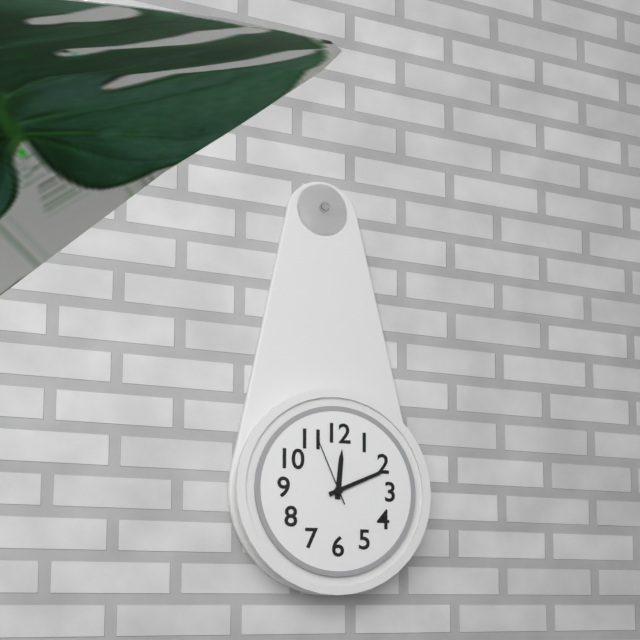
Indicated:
12.11.56
